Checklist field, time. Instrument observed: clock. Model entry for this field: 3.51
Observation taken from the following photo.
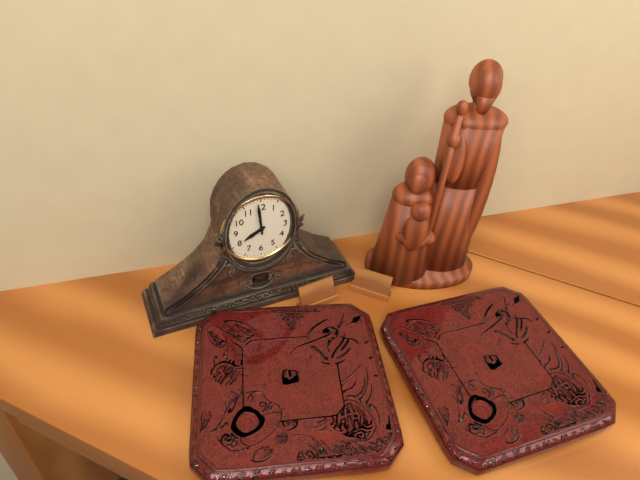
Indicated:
7.59
